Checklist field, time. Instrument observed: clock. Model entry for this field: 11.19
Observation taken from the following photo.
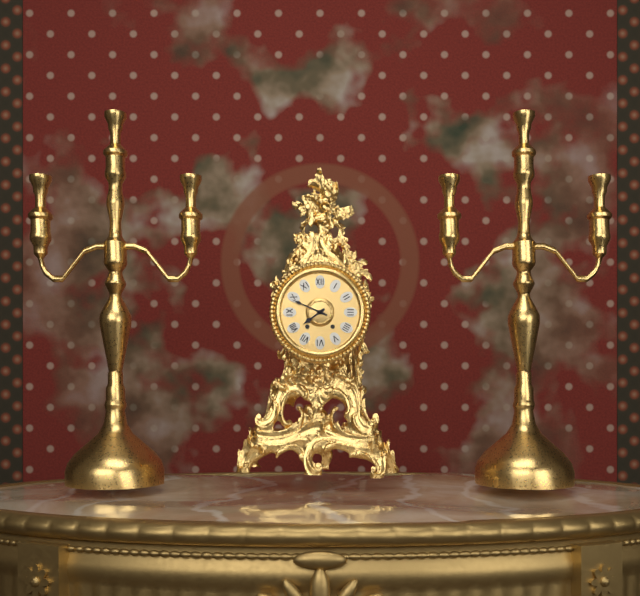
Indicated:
7.49
